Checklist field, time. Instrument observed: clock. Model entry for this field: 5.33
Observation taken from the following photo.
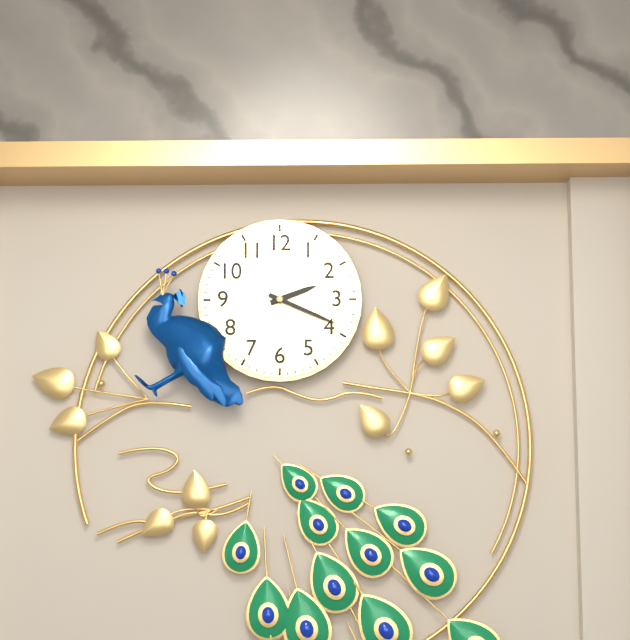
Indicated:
2.19
